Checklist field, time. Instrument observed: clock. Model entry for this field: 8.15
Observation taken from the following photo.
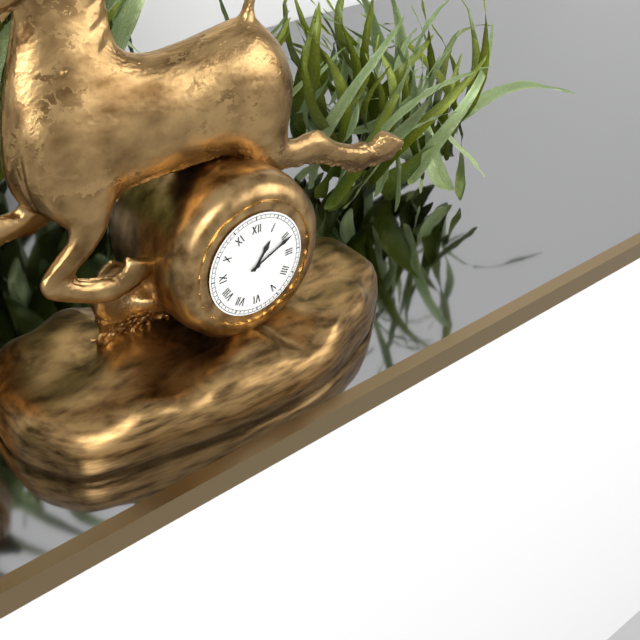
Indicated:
1.11
